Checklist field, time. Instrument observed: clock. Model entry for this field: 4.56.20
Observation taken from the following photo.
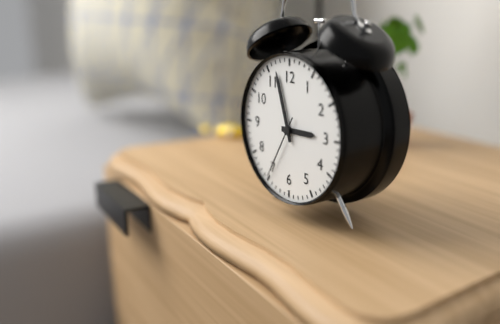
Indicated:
2.57.35
